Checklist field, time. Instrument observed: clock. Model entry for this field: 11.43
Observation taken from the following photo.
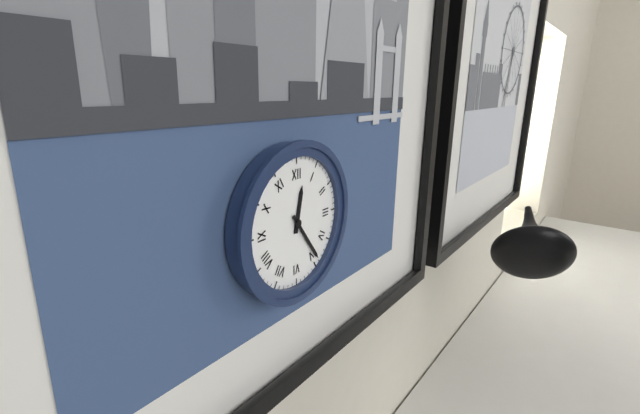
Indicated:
12.24
